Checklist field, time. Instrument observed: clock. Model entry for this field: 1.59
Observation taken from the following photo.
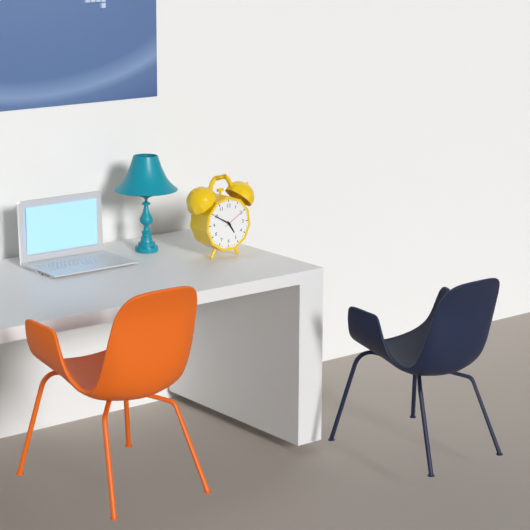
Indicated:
4.50
